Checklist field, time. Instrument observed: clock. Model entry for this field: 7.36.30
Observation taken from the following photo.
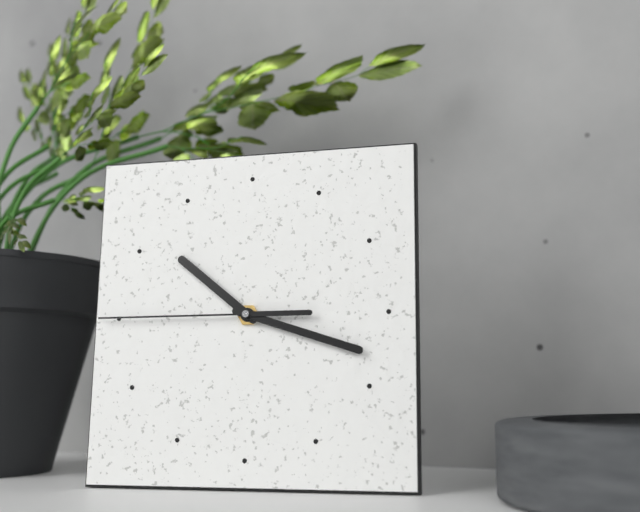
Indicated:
10.18.45
